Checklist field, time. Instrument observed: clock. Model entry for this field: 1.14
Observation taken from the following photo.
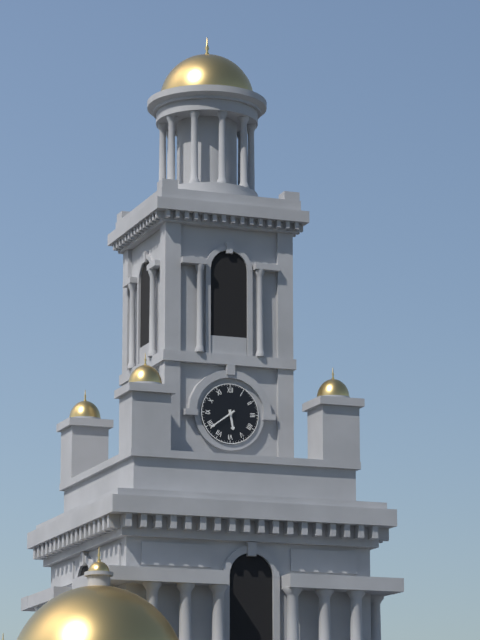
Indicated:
5.39
